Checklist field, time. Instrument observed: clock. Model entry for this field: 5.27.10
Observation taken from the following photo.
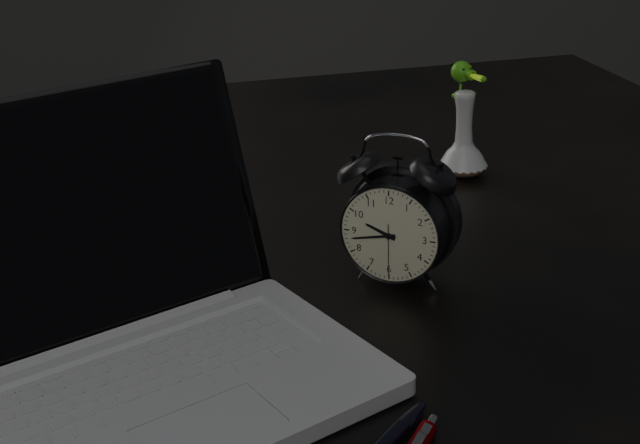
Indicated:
9.43.30
